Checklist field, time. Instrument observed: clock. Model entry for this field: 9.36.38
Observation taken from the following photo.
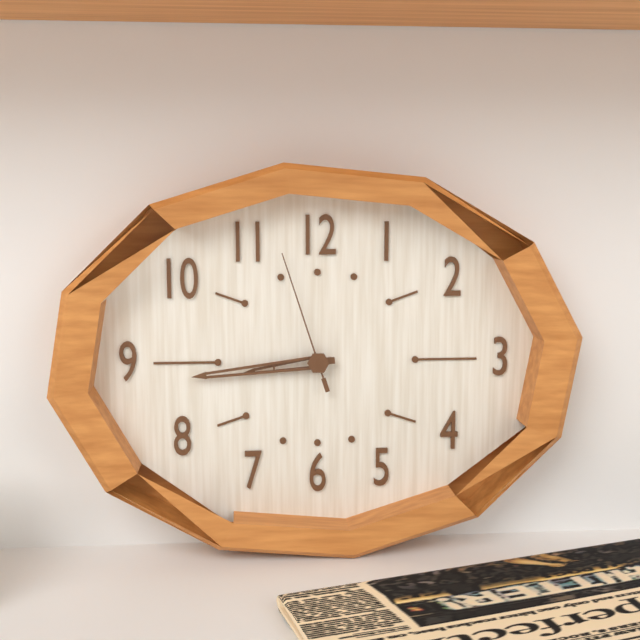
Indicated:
8.44.57
